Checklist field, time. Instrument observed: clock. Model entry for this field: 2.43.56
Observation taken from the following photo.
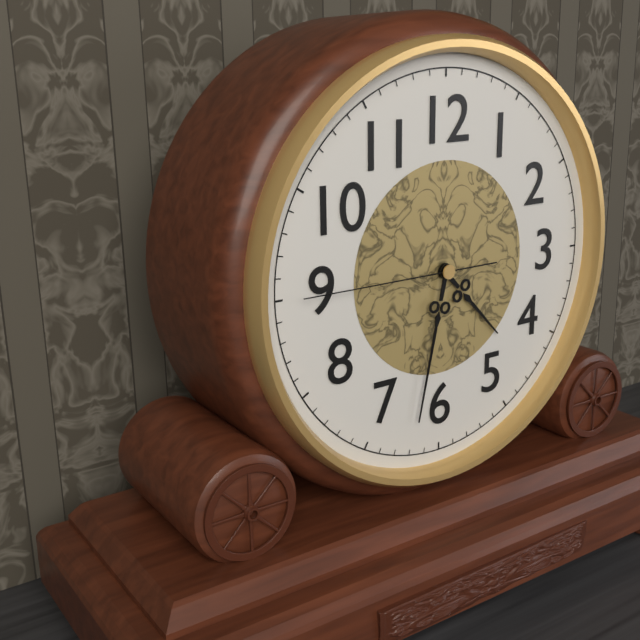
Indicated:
4.32.45
